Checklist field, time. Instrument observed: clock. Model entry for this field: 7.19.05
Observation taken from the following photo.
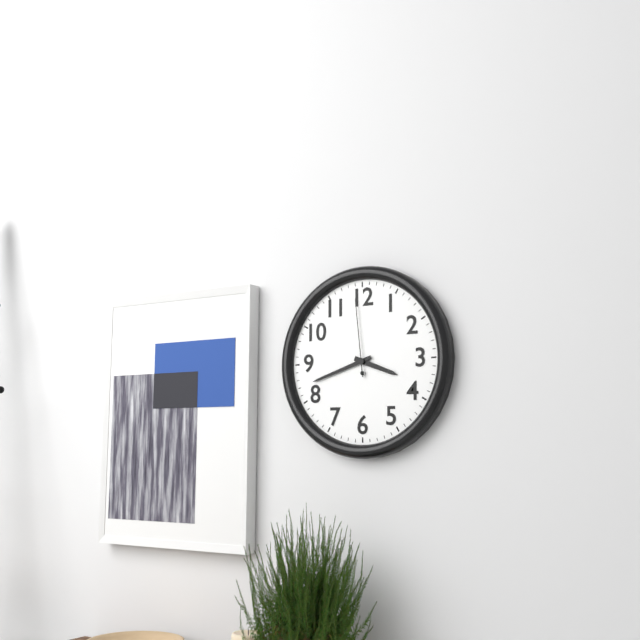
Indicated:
3.42.59
